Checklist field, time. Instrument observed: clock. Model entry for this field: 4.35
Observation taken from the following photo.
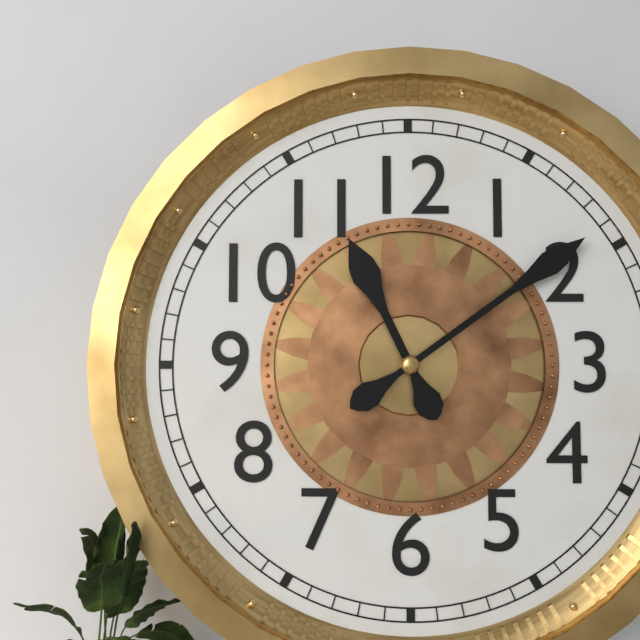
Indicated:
11.09
